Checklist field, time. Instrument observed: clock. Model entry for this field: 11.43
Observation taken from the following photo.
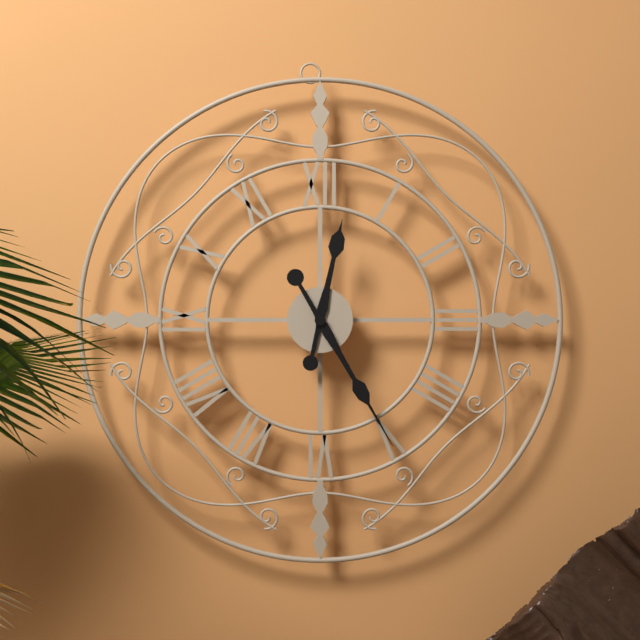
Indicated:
12.25
